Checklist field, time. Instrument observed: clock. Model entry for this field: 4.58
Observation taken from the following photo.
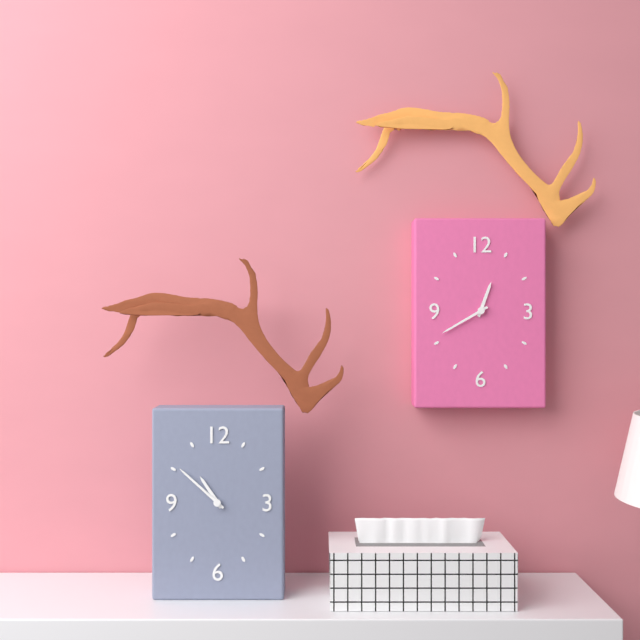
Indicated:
10.52
